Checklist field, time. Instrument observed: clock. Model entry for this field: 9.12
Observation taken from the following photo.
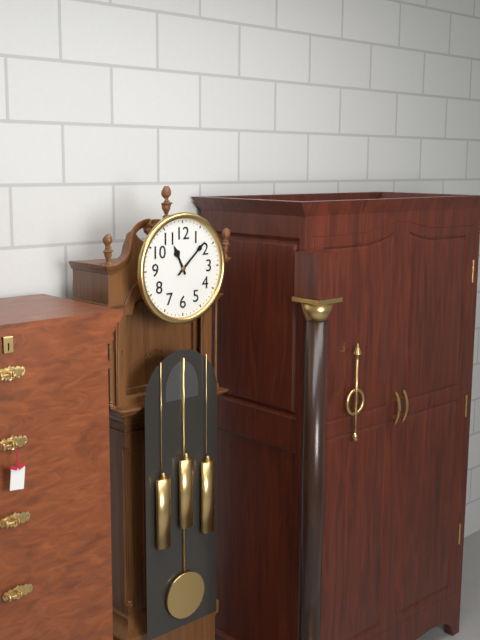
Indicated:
11.08
